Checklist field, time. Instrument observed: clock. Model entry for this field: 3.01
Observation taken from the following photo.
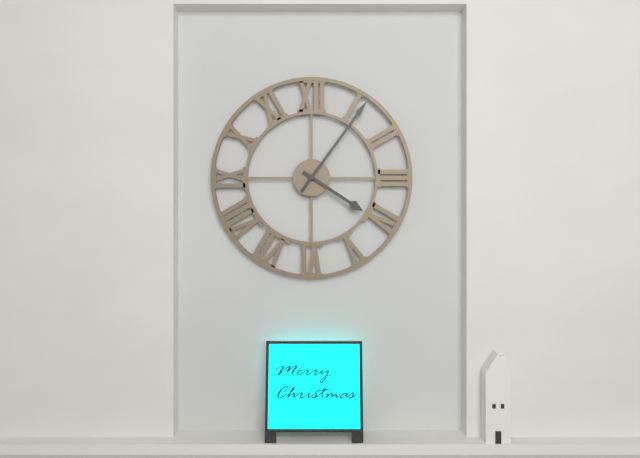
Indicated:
4.06
